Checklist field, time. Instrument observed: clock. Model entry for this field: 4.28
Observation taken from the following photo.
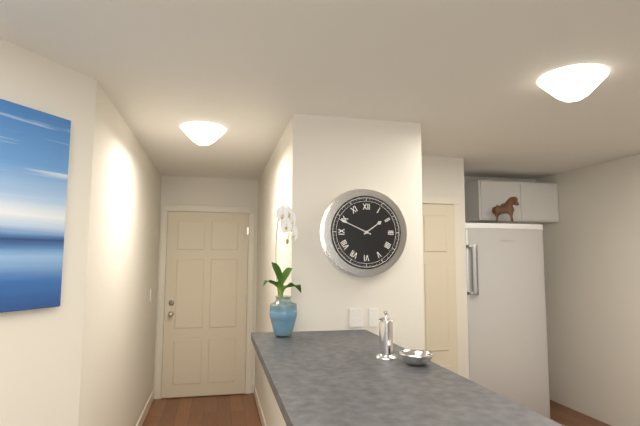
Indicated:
1.49
